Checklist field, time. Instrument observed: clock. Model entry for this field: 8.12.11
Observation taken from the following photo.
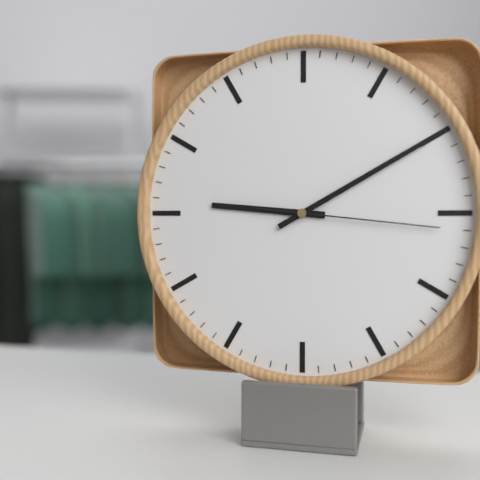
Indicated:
9.10.16
